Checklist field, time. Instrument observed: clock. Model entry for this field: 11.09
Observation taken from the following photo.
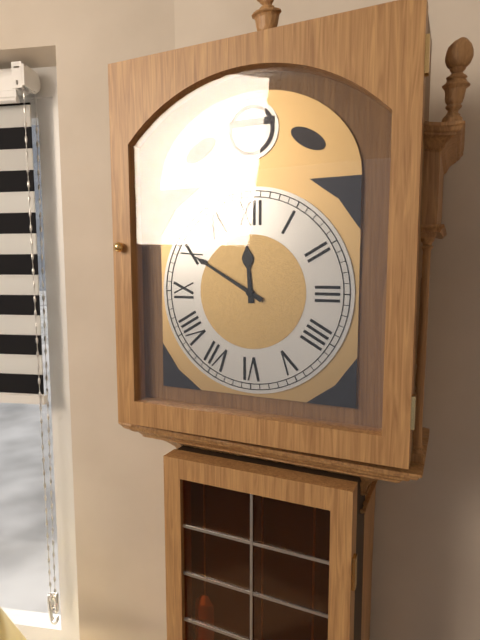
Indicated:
11.50
